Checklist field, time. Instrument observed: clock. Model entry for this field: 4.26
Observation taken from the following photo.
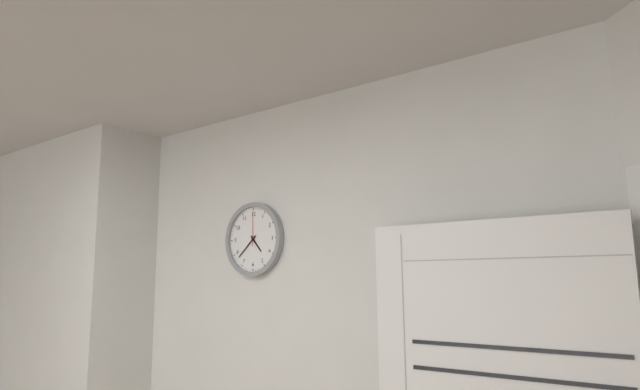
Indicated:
4.38
